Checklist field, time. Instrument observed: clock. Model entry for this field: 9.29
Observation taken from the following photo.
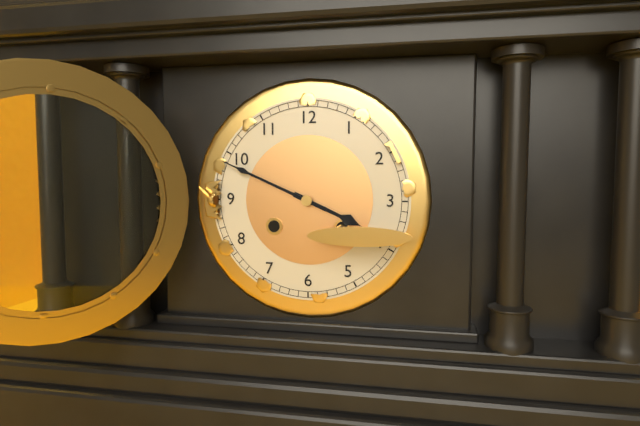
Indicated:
3.49
